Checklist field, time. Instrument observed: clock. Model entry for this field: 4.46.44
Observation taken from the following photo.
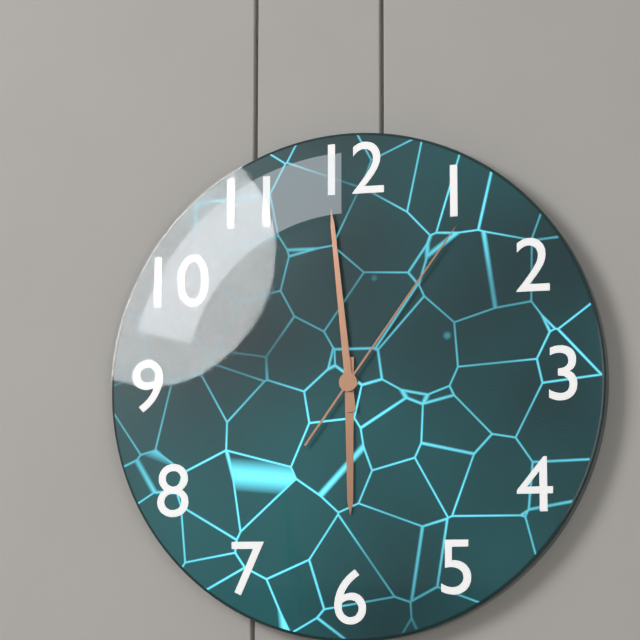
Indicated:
5.59.06
